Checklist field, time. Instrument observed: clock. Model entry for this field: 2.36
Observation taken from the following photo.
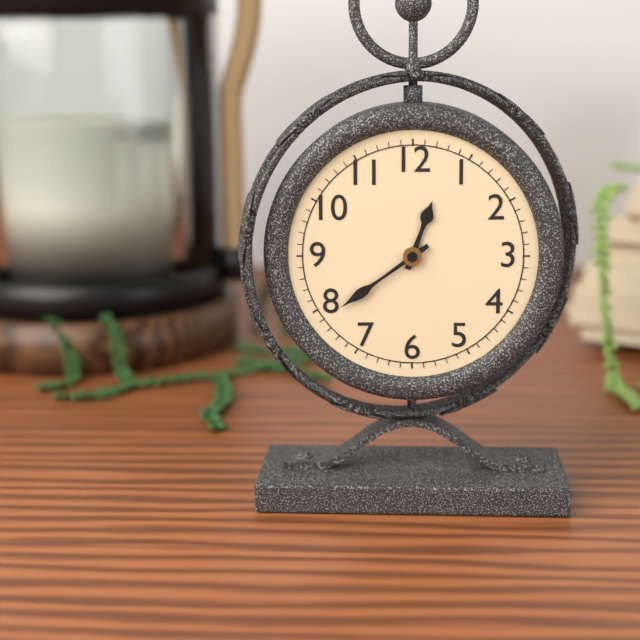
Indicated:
12.39
